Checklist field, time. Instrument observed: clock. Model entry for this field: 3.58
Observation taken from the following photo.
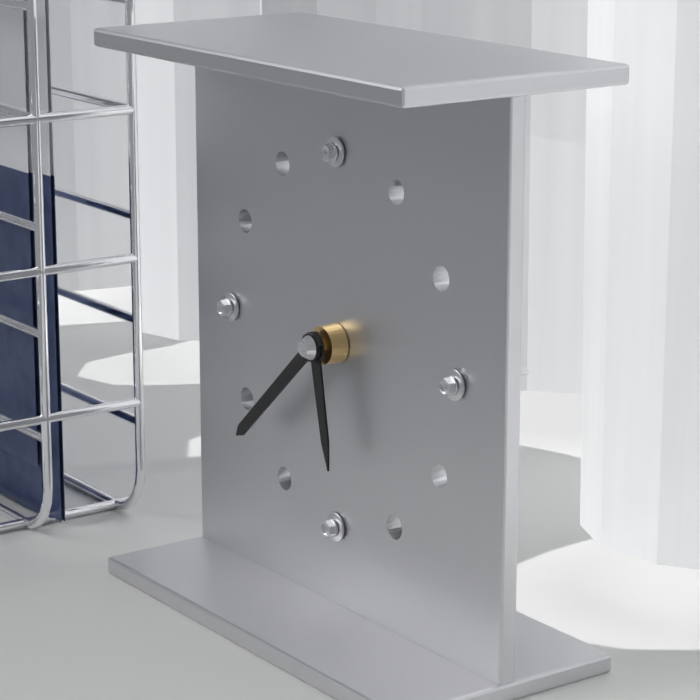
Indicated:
5.38
